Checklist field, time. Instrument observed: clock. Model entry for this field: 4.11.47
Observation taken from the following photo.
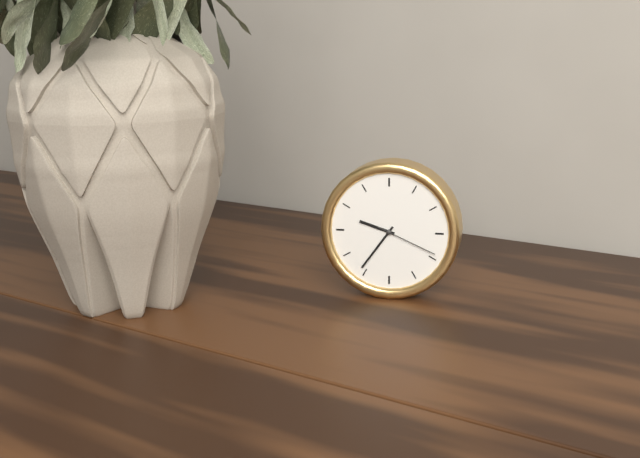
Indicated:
9.36.19
